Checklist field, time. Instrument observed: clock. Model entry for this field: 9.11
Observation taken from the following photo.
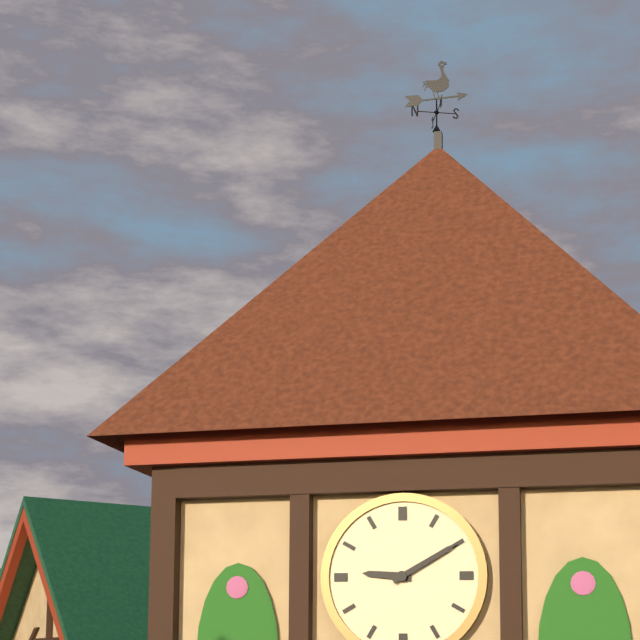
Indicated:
9.10
